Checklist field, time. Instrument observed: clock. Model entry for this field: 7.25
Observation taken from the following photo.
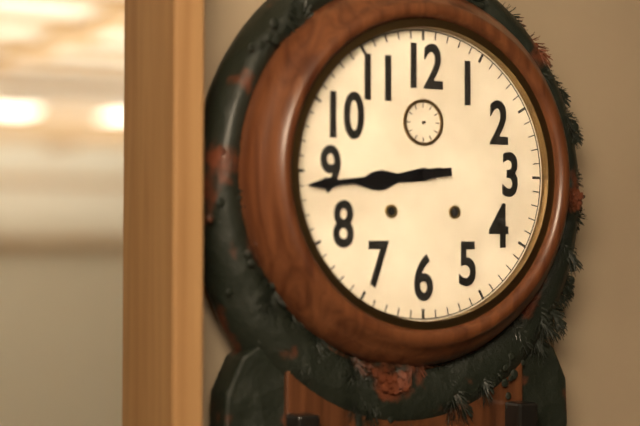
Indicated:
8.44
